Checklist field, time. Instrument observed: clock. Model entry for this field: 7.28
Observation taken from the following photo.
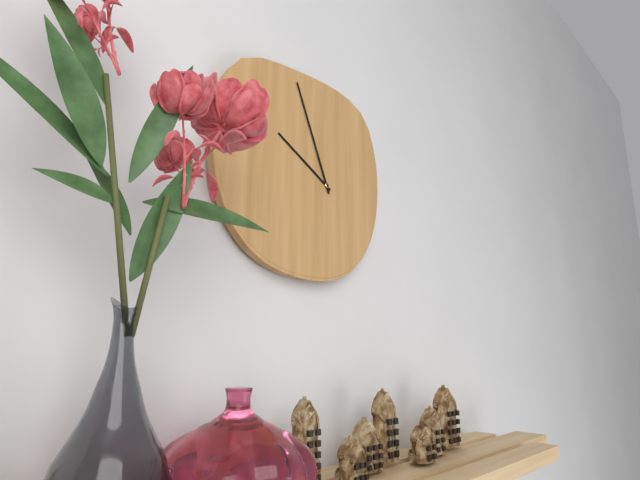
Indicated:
9.56
